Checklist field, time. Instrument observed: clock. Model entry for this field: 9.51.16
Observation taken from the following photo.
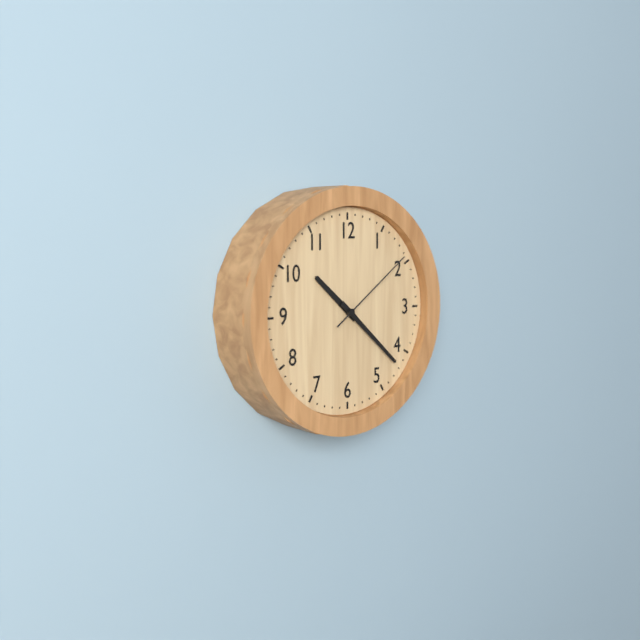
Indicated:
10.22.09
